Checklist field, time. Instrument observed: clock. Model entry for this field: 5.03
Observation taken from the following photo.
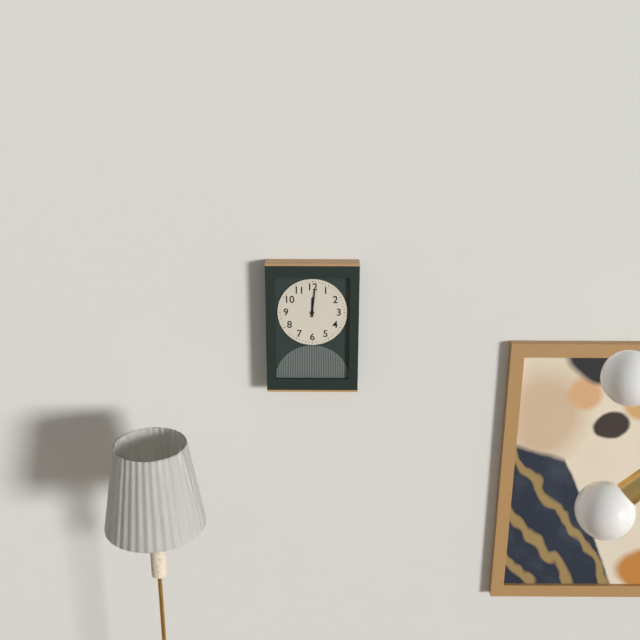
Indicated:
12.01
